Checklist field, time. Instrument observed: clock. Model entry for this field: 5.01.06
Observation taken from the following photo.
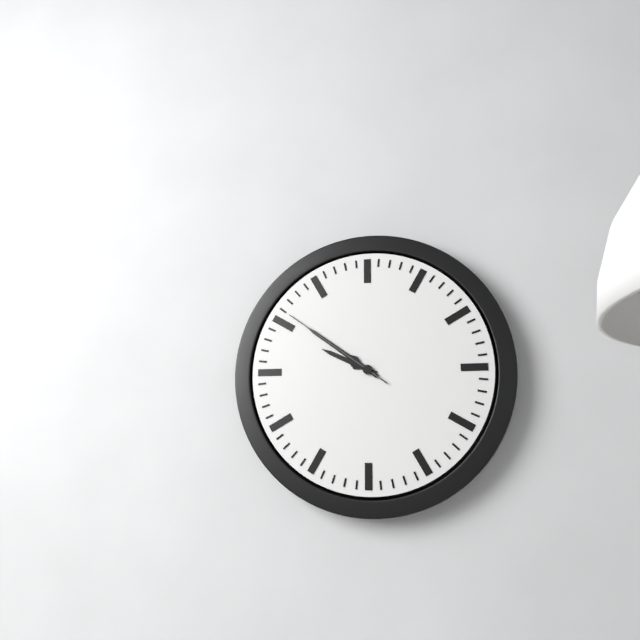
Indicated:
9.51.51
